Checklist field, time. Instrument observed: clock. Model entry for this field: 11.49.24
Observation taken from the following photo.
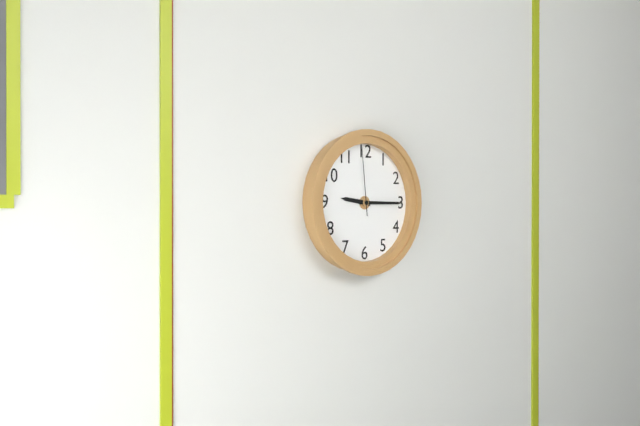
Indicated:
9.15.59
